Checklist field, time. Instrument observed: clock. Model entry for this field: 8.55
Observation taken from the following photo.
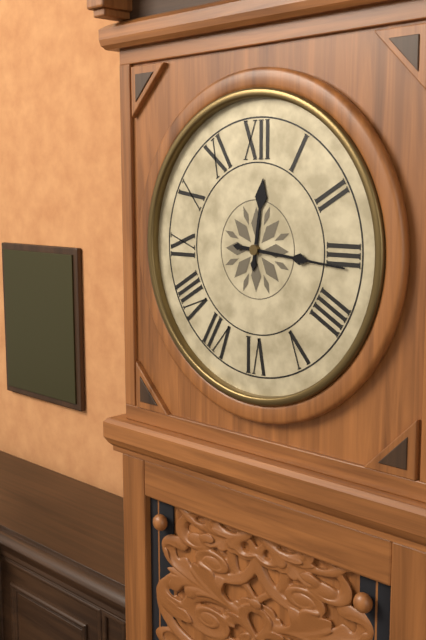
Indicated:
12.16
